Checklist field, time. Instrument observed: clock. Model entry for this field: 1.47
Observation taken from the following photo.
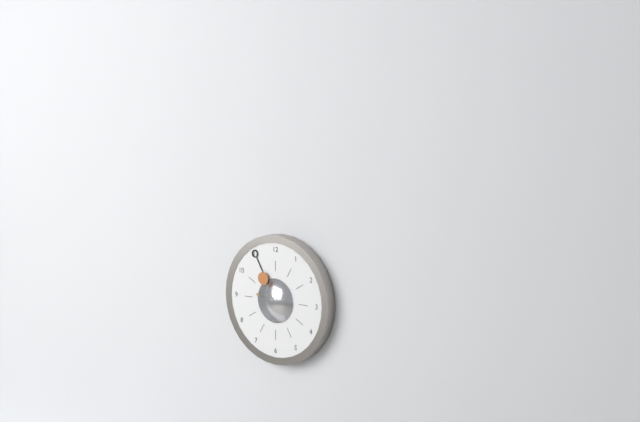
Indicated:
10.55
